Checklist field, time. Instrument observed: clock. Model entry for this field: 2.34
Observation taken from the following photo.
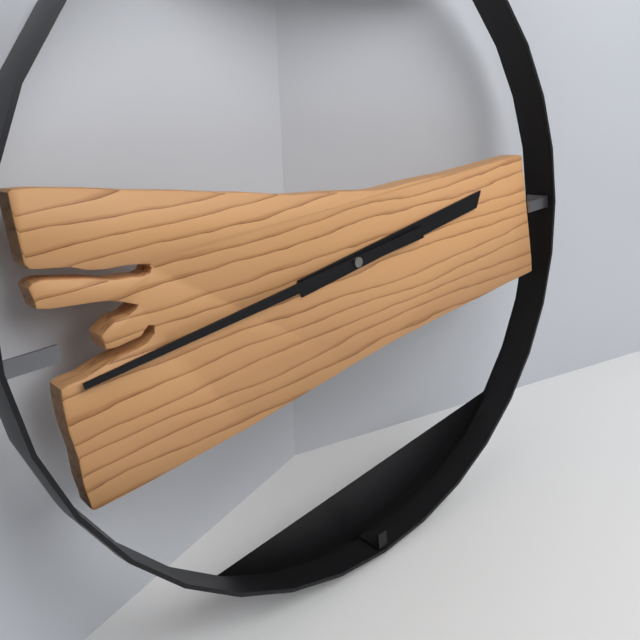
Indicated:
2.44
